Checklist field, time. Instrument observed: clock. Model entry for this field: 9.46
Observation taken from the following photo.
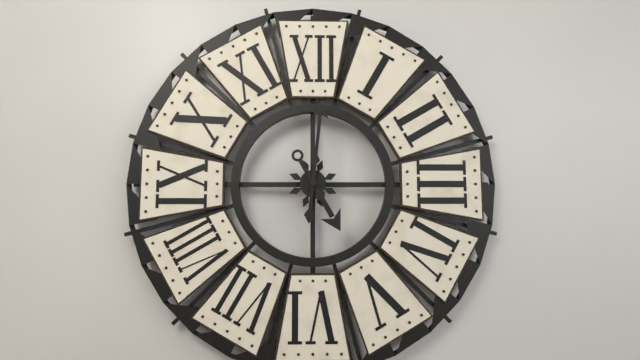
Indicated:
5.01
